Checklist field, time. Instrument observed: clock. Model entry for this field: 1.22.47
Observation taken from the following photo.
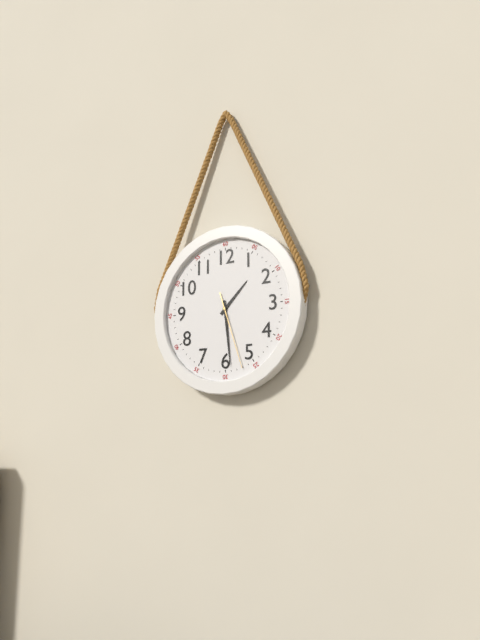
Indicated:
1.29.27
